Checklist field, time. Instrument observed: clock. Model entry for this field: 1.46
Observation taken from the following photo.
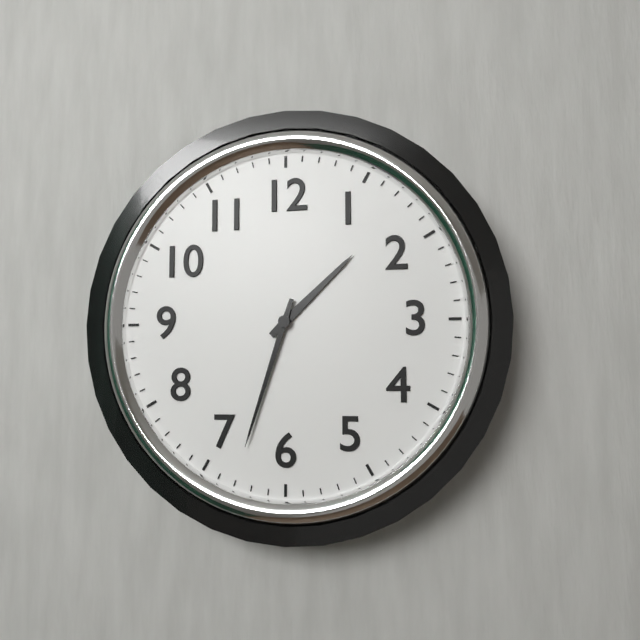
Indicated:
1.33
